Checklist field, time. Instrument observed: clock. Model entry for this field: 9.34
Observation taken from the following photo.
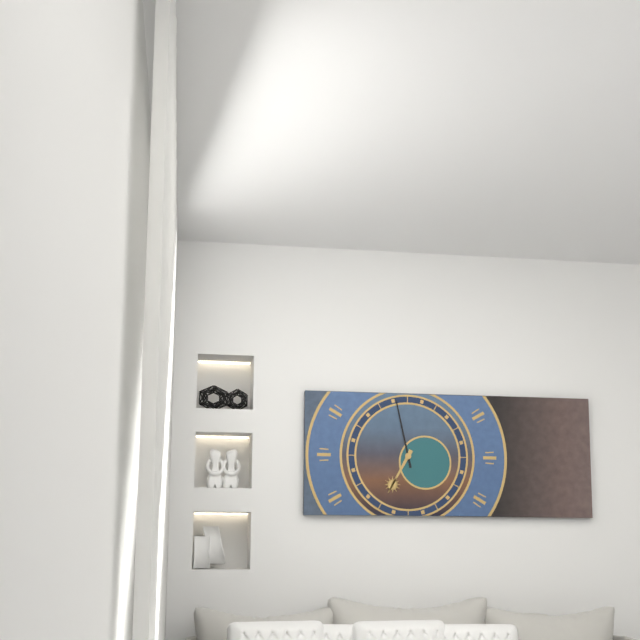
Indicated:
6.58
